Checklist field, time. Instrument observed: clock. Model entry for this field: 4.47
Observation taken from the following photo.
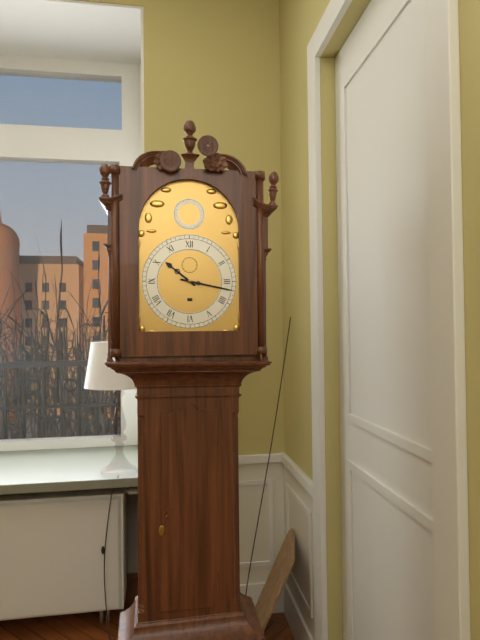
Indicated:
10.17
